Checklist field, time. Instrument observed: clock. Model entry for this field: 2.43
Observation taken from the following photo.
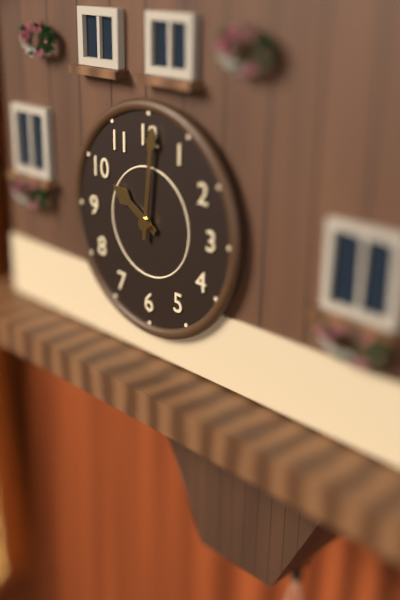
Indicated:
10.01
